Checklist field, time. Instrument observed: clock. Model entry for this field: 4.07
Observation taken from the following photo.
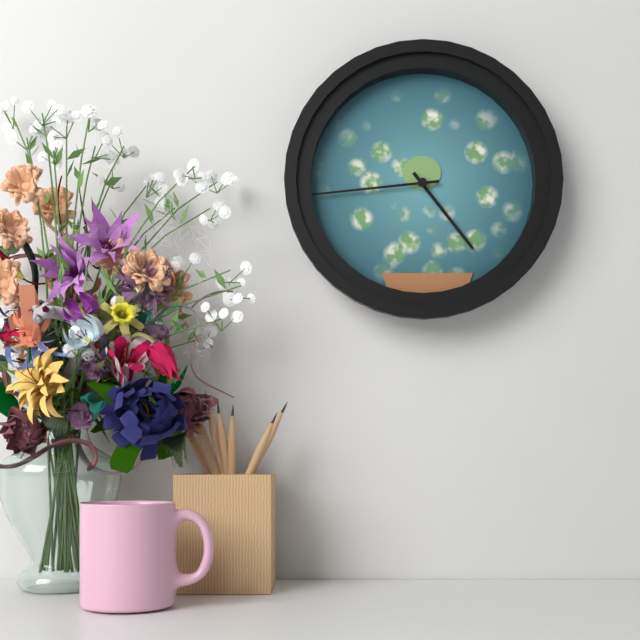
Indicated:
4.44
